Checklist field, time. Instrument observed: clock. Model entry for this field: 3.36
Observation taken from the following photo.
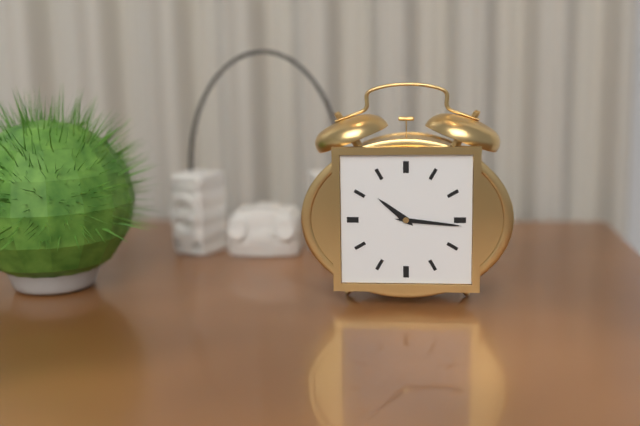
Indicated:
10.16
